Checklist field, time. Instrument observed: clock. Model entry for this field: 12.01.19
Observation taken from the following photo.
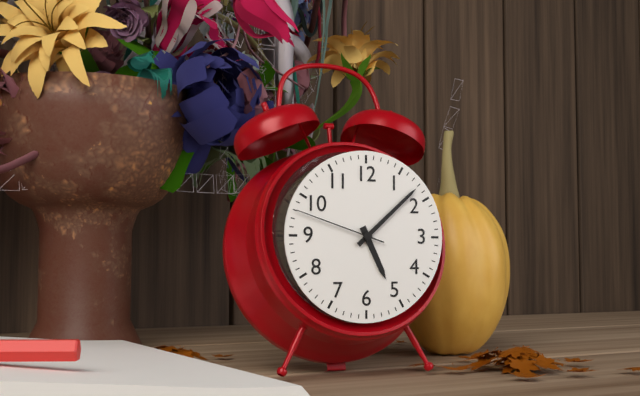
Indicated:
5.08.48
